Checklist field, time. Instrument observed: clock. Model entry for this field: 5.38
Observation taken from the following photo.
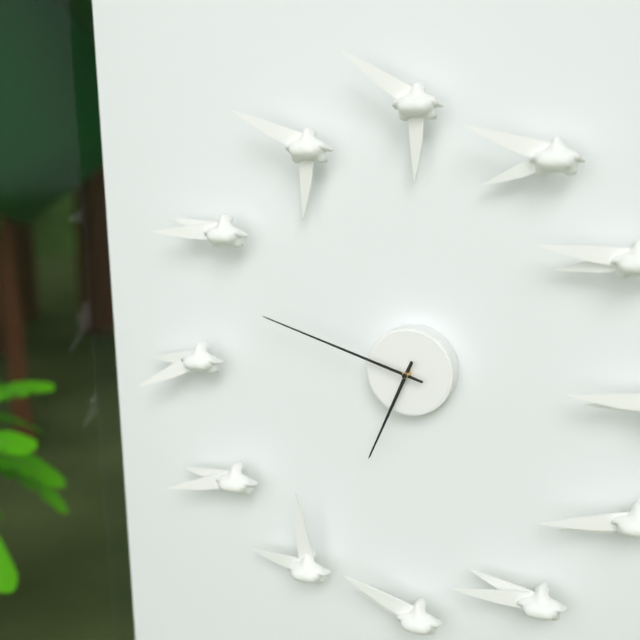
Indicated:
6.48
